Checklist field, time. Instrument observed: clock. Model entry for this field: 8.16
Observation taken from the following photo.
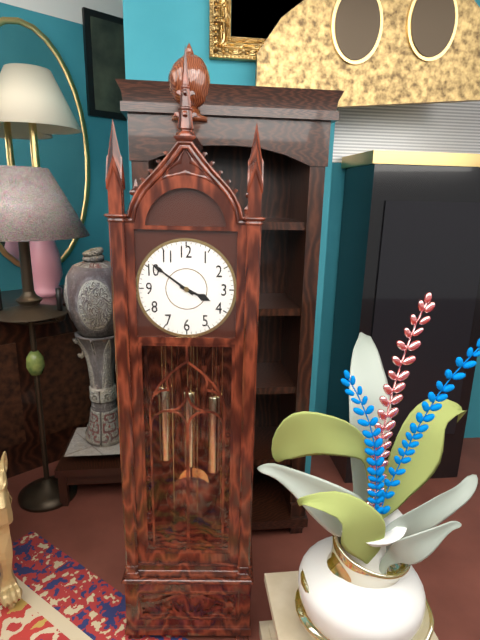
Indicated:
3.51
